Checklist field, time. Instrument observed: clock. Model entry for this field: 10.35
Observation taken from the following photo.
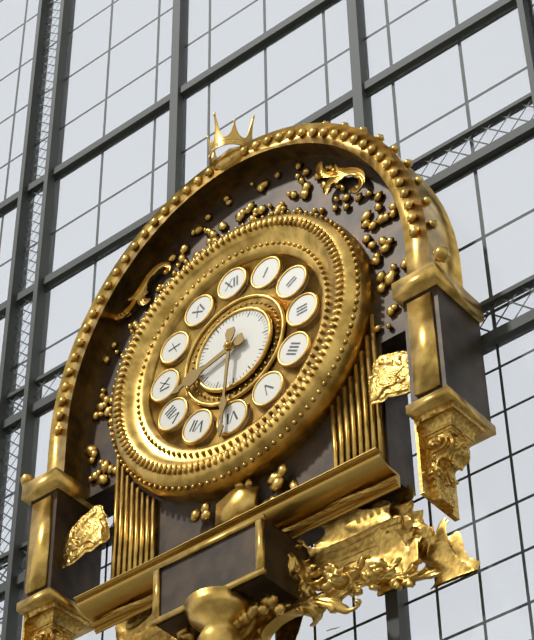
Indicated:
8.31
